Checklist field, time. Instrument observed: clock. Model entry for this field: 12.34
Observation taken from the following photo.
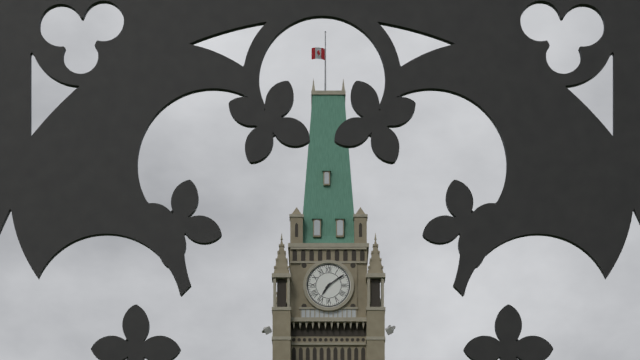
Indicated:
7.09
